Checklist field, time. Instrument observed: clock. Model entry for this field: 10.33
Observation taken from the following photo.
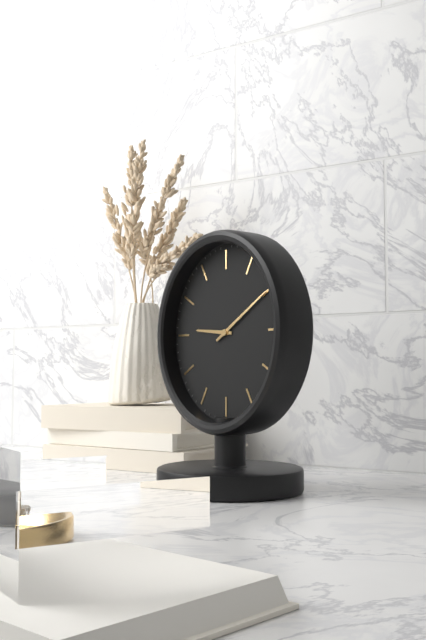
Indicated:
9.10
